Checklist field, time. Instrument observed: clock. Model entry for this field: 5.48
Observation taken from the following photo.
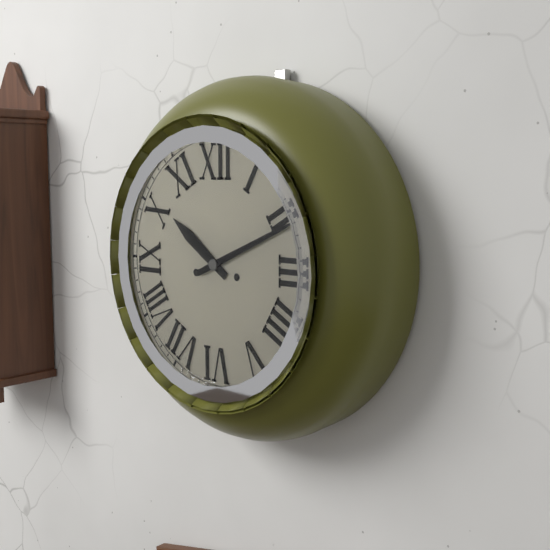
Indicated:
10.11
